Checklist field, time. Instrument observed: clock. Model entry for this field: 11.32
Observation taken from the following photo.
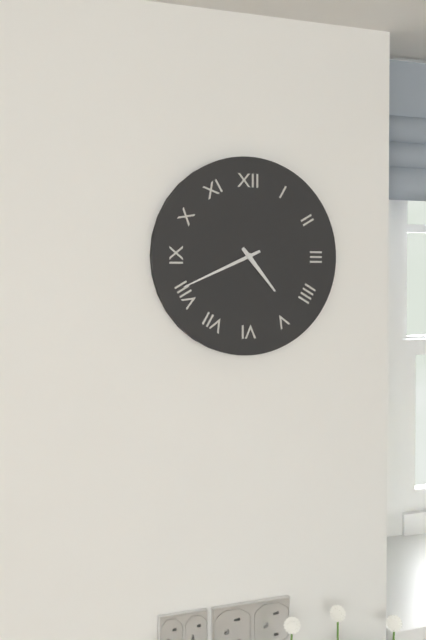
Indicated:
4.41
